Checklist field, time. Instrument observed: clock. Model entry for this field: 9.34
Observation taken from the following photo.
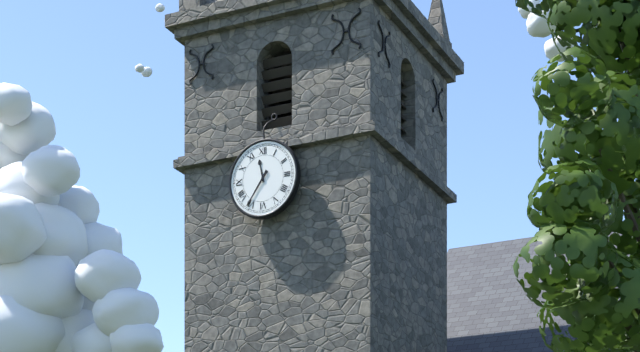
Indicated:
11.36
